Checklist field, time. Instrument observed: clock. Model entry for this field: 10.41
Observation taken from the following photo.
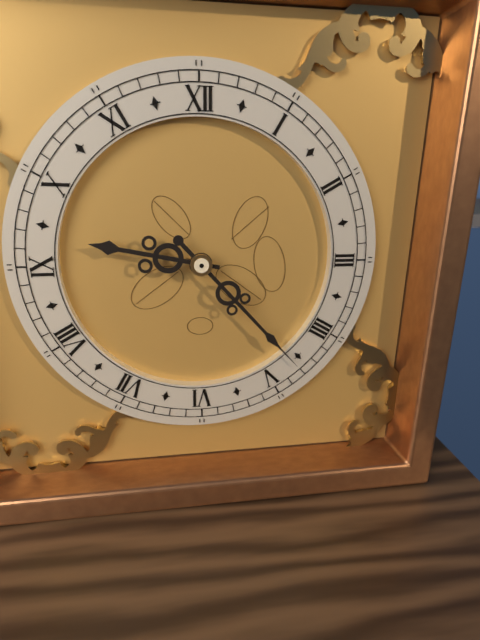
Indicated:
9.23
